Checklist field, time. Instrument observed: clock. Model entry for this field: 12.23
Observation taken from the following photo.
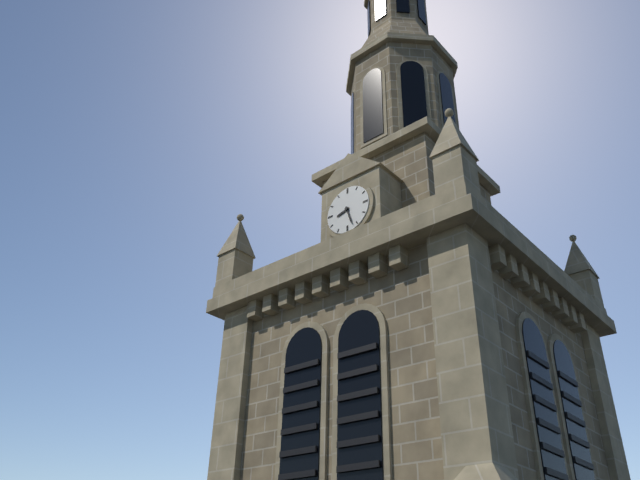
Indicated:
8.27
